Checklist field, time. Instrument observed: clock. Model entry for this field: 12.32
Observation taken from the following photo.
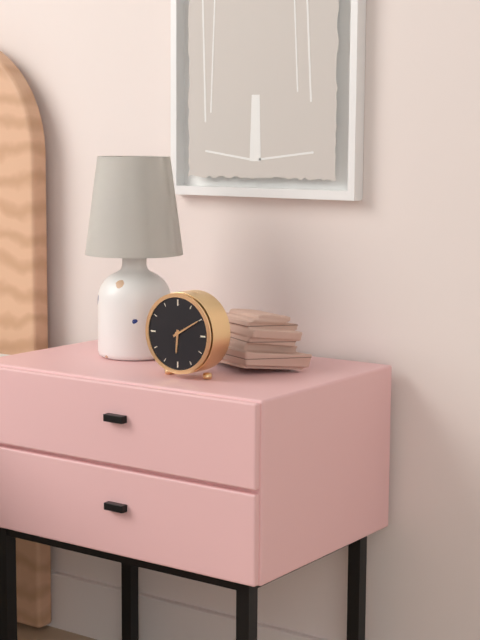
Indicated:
6.10
